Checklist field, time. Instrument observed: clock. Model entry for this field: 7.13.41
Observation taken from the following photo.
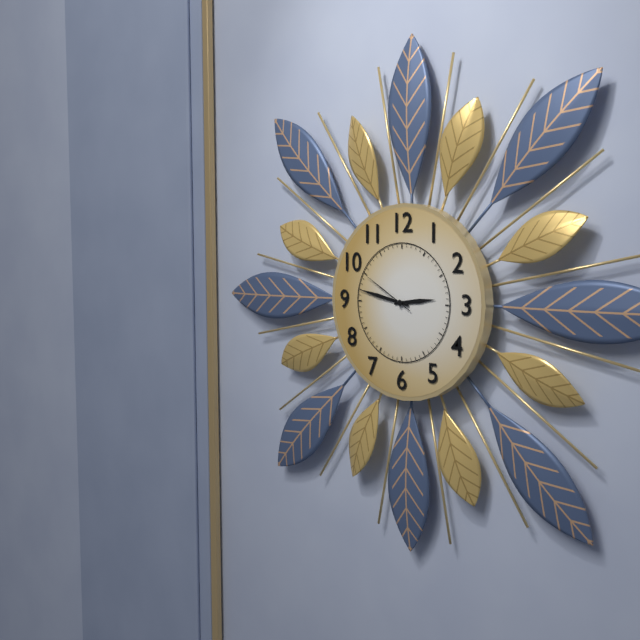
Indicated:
2.47.50
